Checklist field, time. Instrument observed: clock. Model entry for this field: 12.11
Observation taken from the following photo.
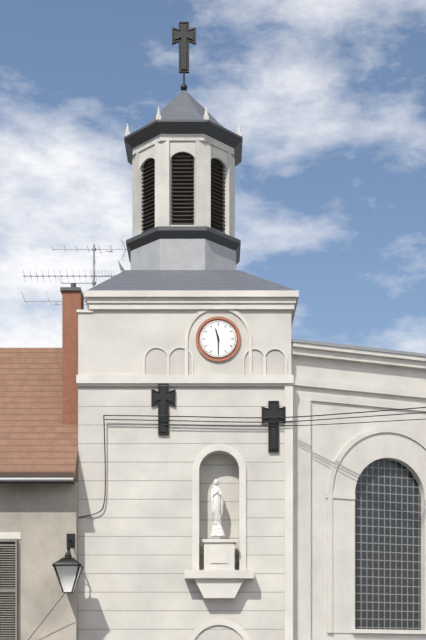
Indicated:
11.30
